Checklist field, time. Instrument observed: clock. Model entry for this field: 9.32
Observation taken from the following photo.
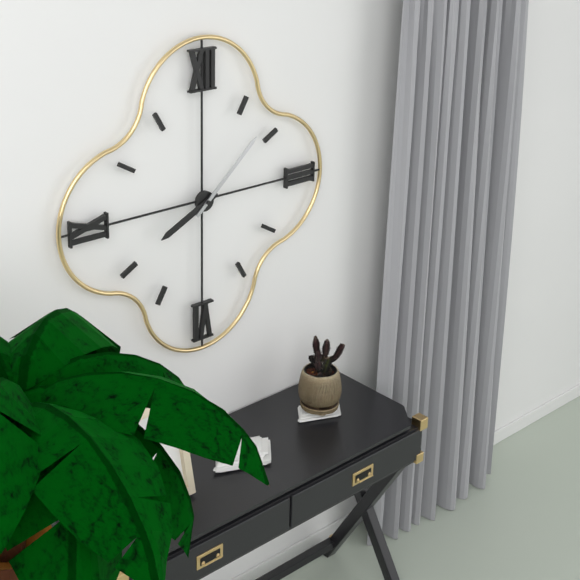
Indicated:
8.08
